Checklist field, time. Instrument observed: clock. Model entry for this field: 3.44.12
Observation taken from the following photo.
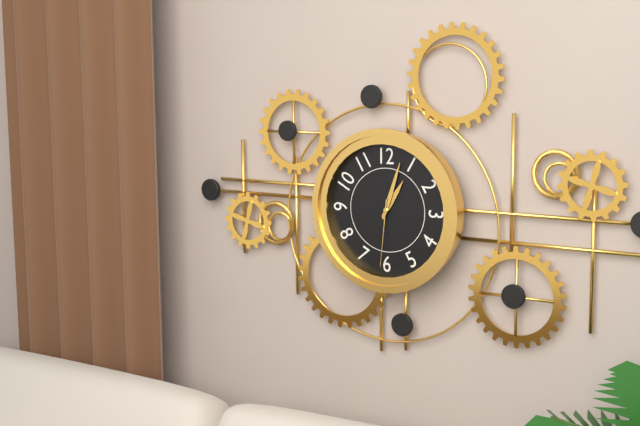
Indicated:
1.03.31
